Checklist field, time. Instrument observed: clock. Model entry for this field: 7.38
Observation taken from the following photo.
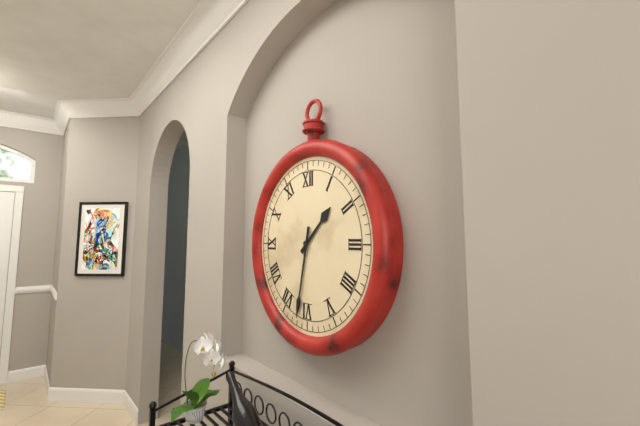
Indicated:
1.32
